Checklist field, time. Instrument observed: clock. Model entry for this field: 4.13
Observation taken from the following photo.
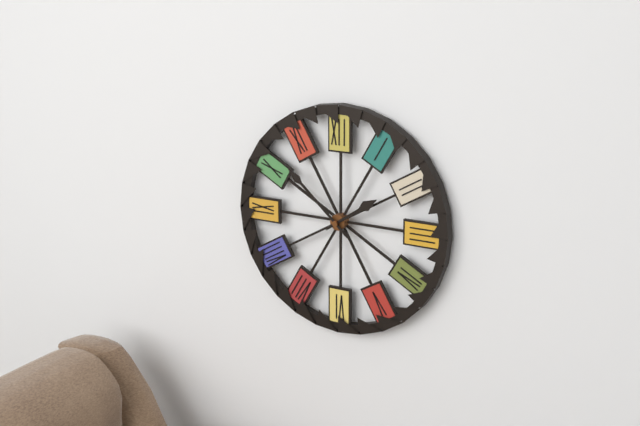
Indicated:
1.52
